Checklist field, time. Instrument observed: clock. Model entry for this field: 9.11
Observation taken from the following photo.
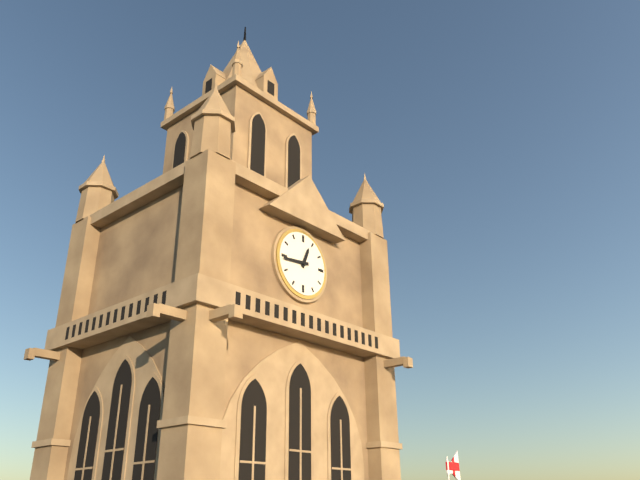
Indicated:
12.44
